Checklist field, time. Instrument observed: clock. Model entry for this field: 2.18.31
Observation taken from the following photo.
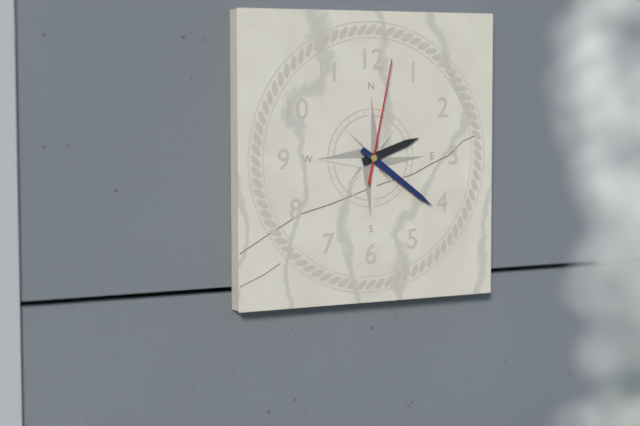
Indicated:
2.21.02
